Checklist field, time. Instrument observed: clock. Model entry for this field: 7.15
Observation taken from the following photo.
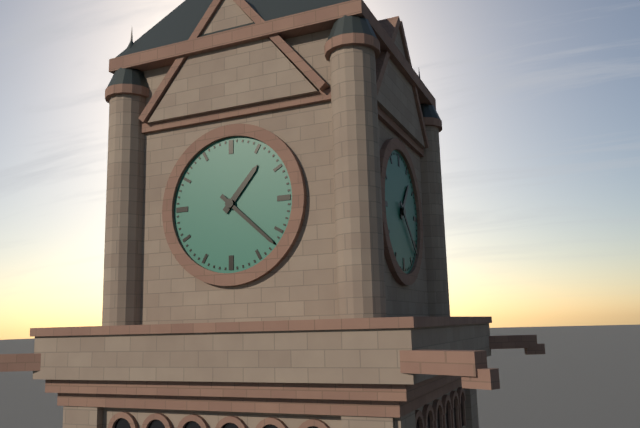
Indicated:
1.22
